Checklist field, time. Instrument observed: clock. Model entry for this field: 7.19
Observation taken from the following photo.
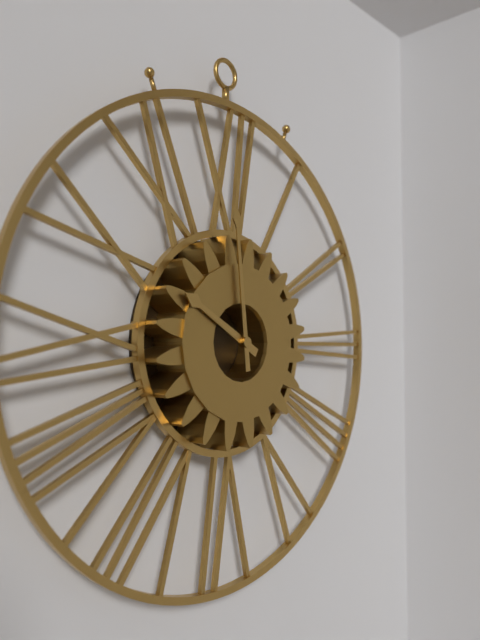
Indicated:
9.59
